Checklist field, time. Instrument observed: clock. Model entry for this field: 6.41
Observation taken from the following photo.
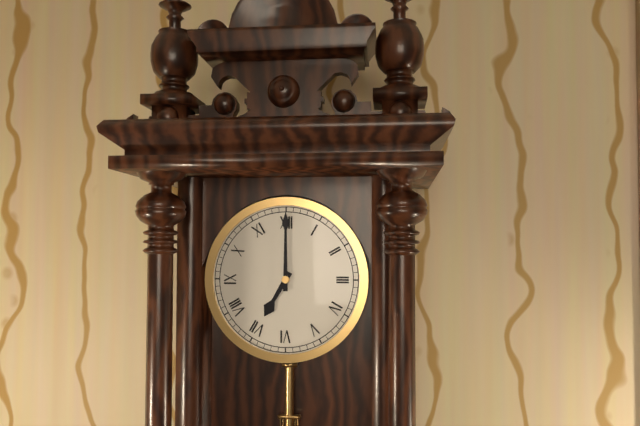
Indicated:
7.00
